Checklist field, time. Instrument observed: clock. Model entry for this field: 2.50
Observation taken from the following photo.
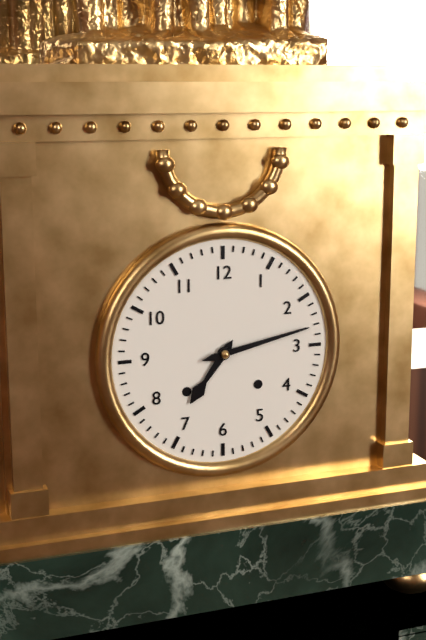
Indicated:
7.13
